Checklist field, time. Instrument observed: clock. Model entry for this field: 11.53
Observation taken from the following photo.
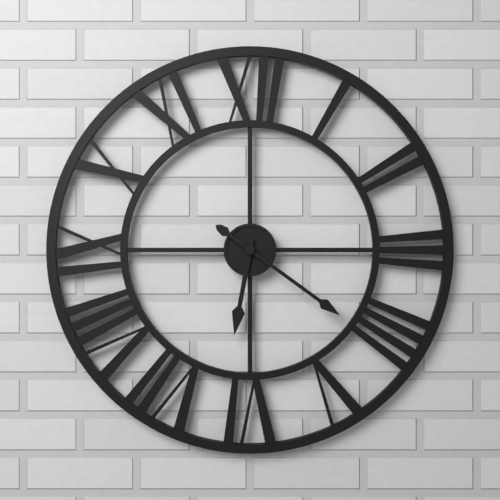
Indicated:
6.21
